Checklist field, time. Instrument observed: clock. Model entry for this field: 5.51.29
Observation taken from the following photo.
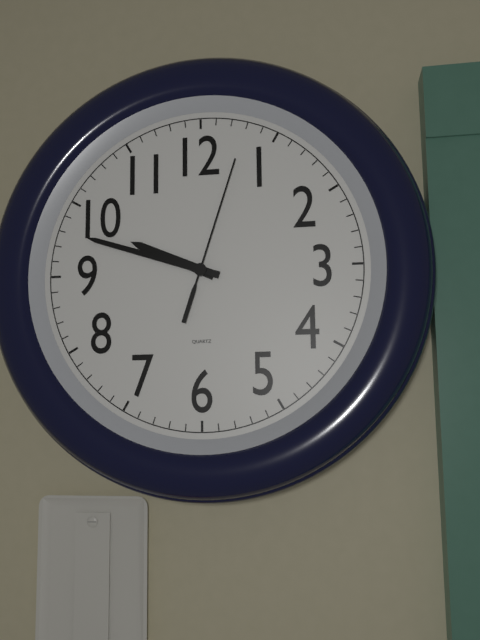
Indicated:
9.48.03
